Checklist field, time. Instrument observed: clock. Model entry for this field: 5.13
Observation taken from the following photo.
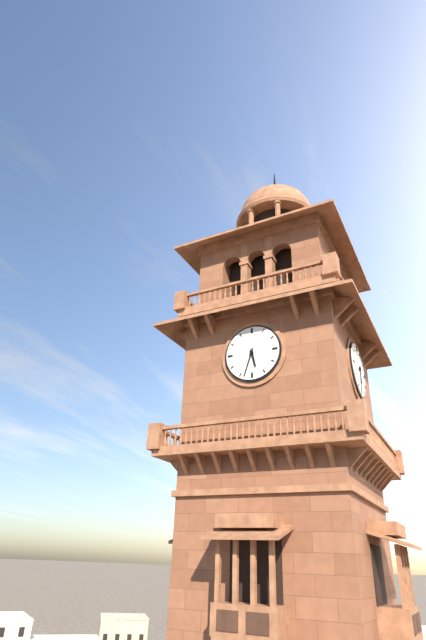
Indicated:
5.33
